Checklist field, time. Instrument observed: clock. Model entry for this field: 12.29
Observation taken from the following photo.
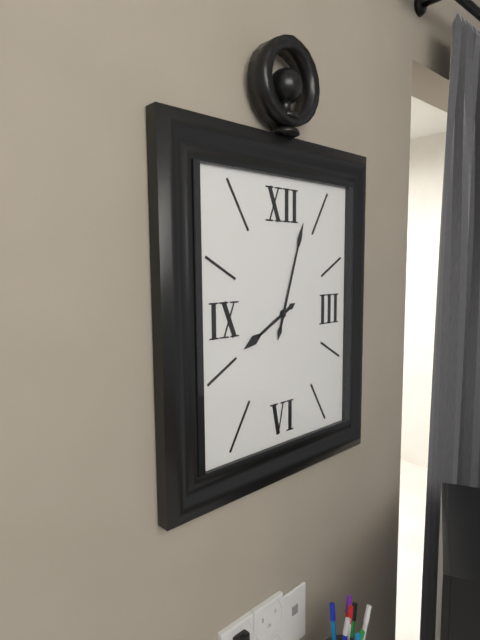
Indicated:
8.03
